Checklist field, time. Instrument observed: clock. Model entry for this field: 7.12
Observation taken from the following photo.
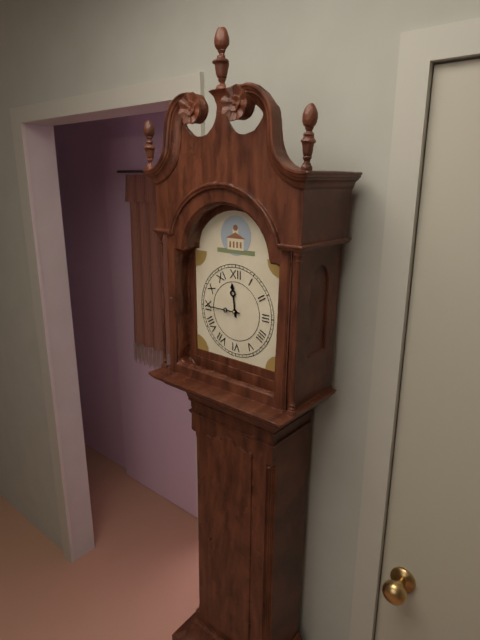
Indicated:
11.45
